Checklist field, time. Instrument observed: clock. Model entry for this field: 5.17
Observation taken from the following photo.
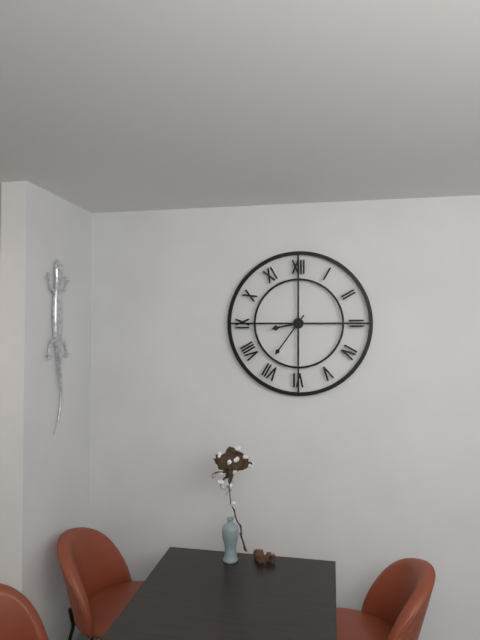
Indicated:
8.36
